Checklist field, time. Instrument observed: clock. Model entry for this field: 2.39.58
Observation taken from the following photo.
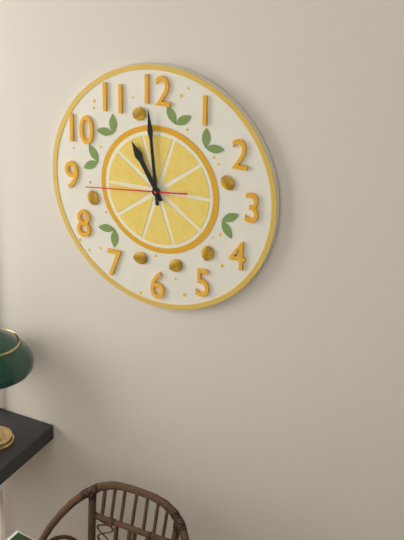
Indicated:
10.59.44
